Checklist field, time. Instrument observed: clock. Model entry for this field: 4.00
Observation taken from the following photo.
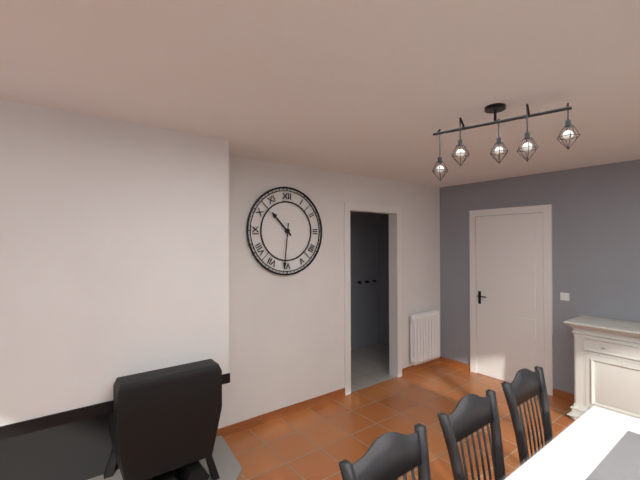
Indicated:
10.31
